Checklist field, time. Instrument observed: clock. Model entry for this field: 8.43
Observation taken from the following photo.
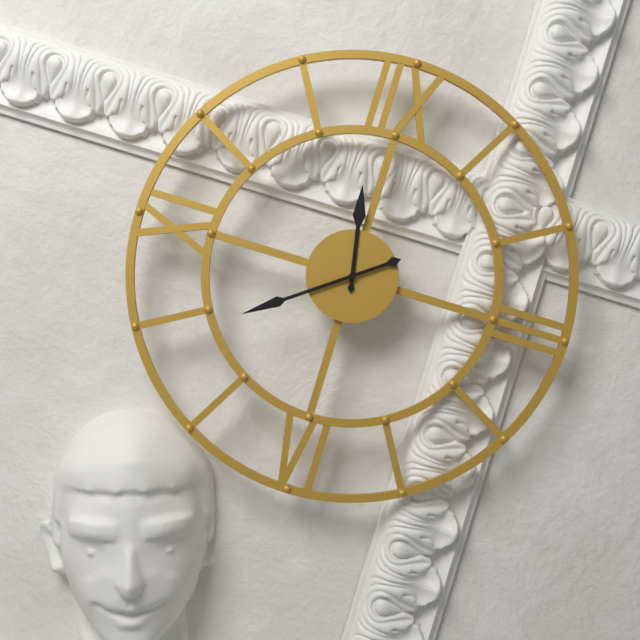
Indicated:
11.39
